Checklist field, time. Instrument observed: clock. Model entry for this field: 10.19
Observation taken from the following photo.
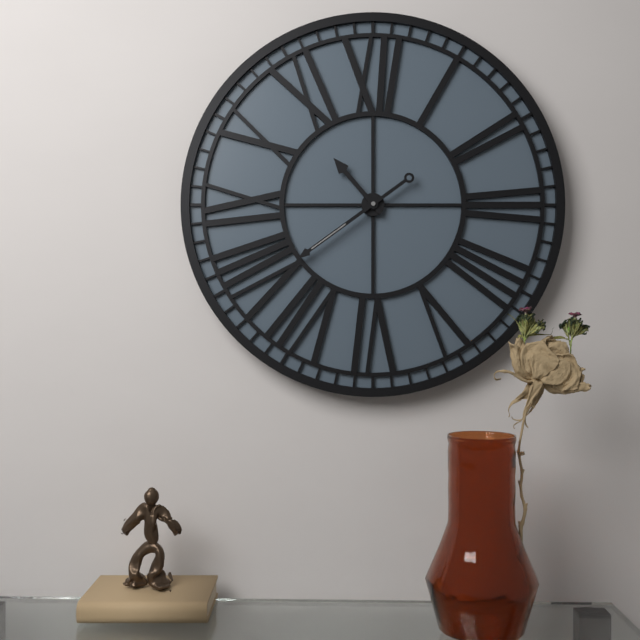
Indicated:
10.39
